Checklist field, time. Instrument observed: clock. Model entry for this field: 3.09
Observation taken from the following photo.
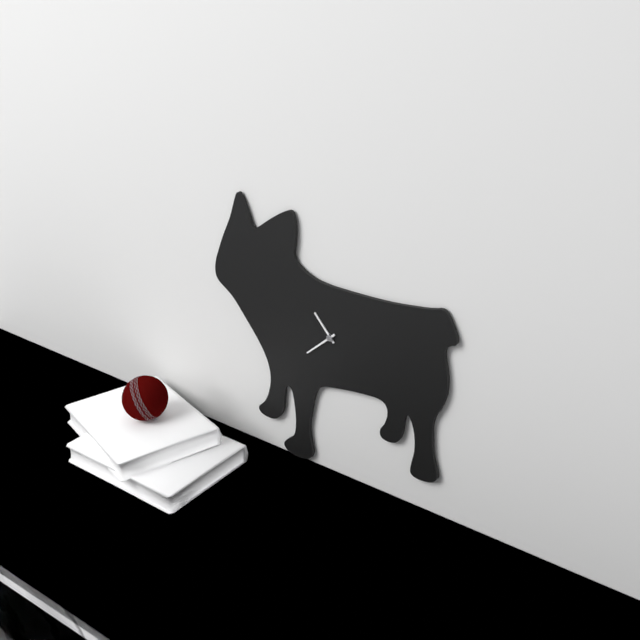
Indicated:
10.38
